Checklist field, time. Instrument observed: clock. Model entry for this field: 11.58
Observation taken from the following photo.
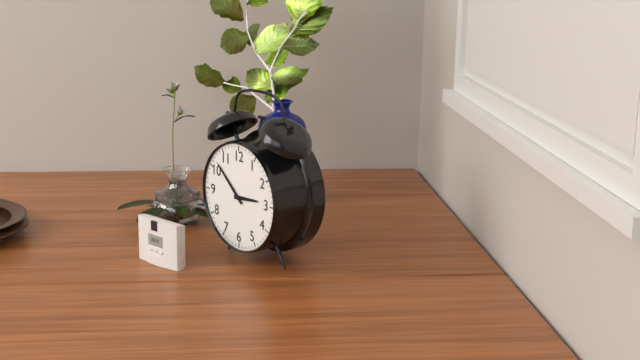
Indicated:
2.52
